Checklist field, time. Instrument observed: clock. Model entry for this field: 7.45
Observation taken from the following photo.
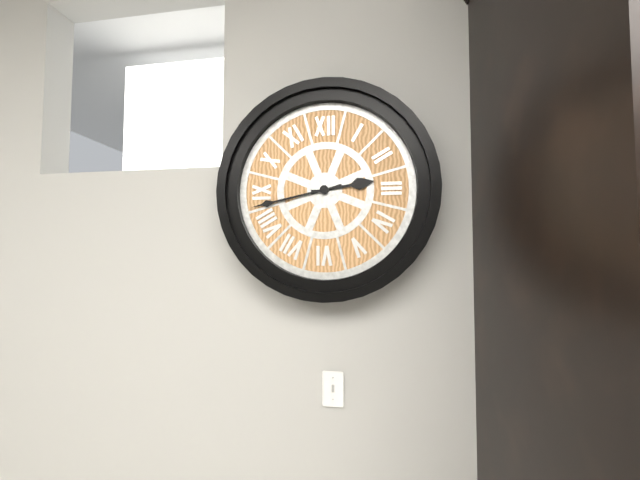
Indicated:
2.43
